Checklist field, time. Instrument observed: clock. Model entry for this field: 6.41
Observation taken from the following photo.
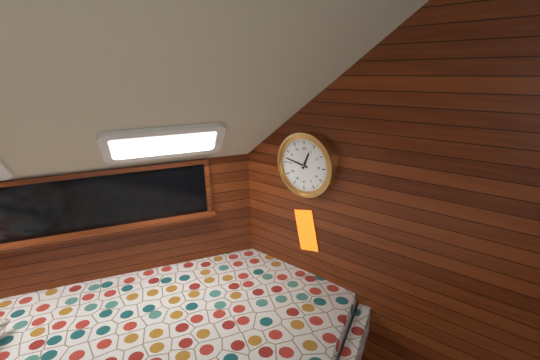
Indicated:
12.47
